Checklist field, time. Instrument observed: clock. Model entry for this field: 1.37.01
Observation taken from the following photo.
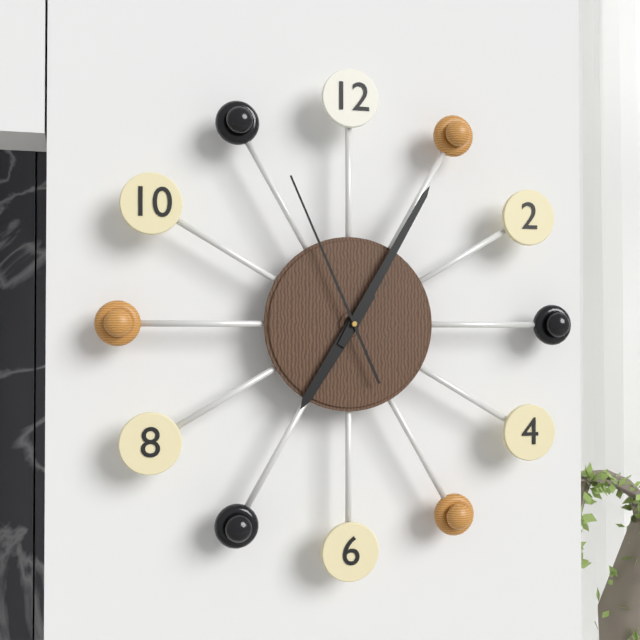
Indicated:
7.05.56
